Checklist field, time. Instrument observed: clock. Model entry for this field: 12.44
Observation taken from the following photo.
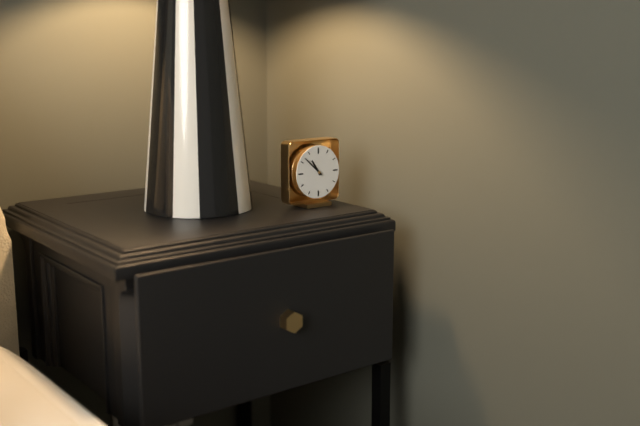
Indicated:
10.52
